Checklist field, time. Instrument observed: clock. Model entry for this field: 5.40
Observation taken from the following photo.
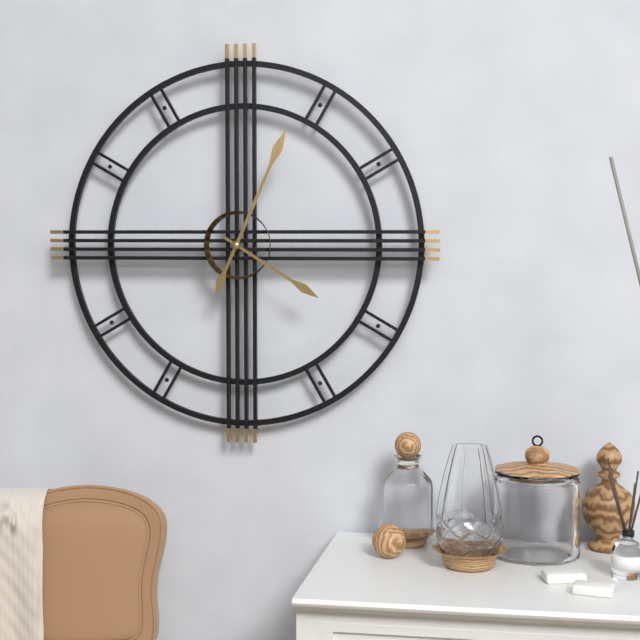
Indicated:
4.04
